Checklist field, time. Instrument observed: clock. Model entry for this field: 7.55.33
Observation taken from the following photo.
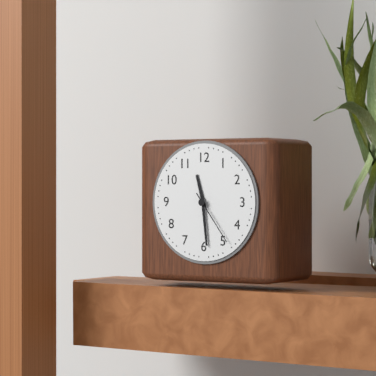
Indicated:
11.29.24
